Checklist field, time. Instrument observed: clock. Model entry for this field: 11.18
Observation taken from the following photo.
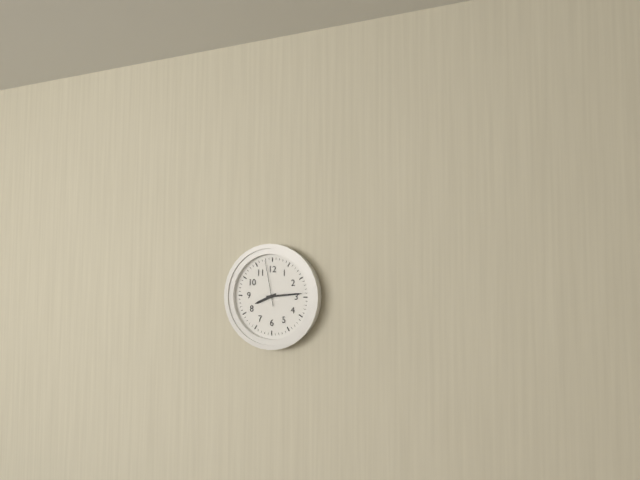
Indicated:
8.14
